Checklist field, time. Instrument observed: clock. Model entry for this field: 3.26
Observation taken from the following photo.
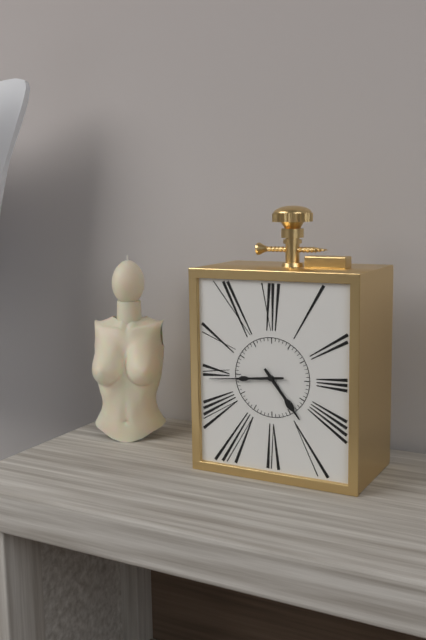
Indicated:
4.44
